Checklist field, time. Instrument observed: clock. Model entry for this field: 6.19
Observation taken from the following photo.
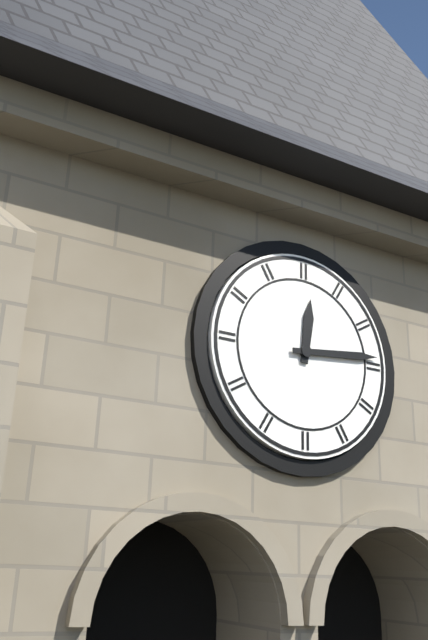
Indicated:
12.14
